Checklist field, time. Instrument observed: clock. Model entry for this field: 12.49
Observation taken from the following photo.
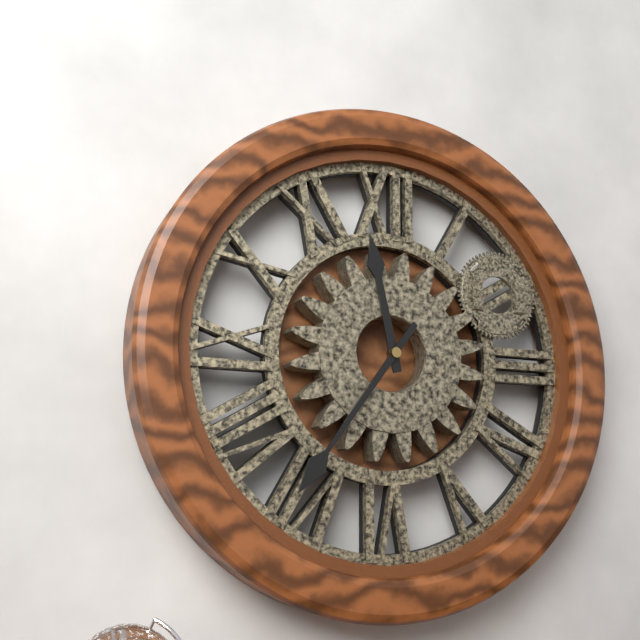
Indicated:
11.36
